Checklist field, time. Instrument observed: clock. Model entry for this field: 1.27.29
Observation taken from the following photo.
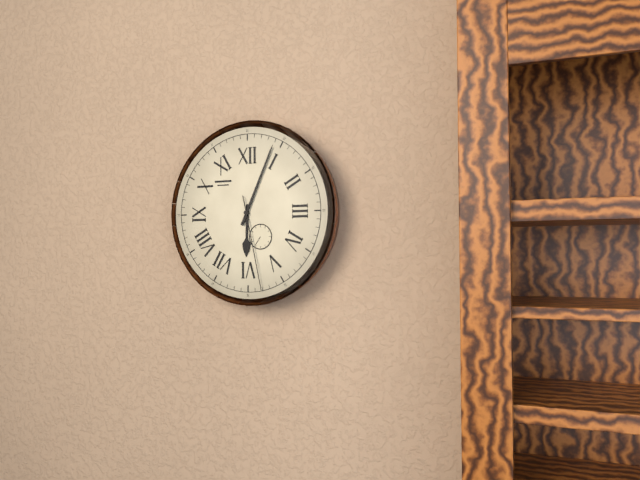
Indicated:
6.04.28
